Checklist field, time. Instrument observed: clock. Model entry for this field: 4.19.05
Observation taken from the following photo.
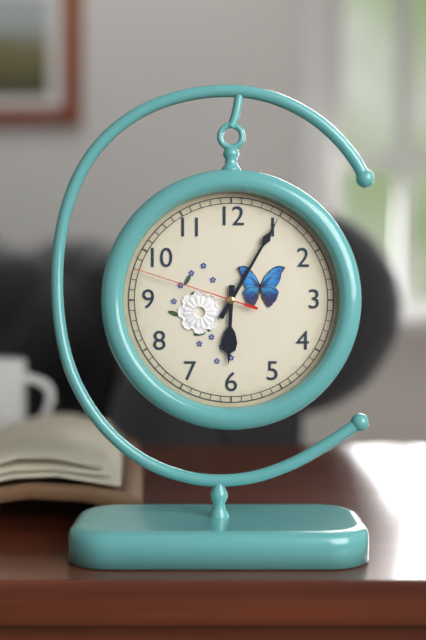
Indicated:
6.05.48
